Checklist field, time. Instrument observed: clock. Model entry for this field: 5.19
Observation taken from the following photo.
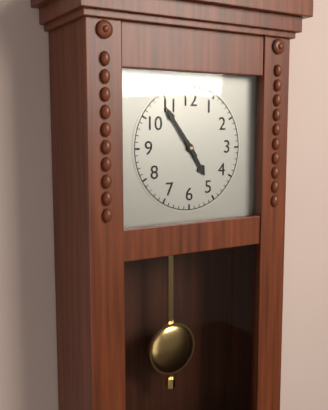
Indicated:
4.54
